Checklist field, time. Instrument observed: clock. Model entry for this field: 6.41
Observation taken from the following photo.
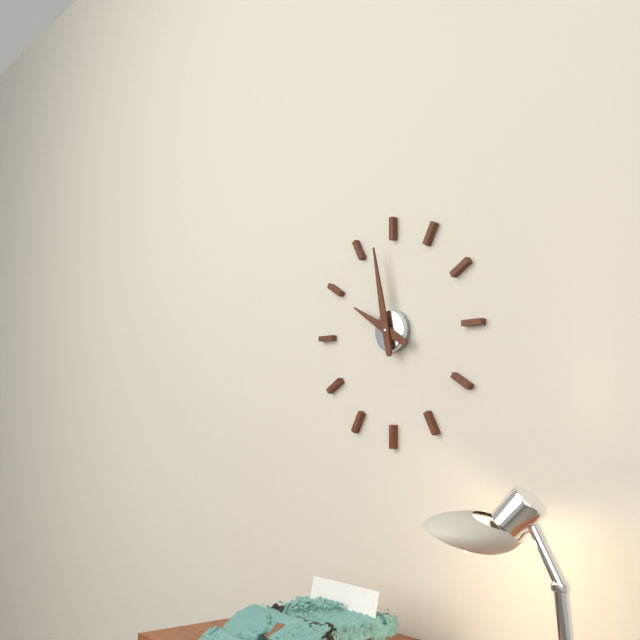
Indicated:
9.58
